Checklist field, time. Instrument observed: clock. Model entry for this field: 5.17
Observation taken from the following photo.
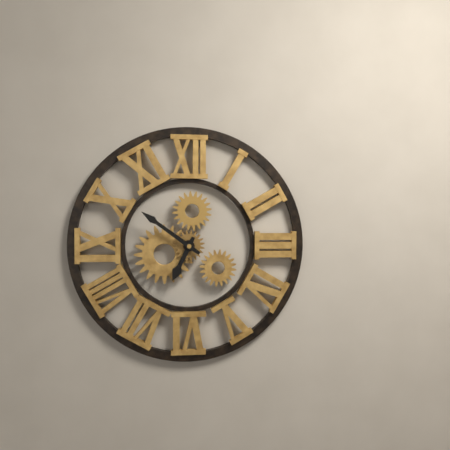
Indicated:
6.51
